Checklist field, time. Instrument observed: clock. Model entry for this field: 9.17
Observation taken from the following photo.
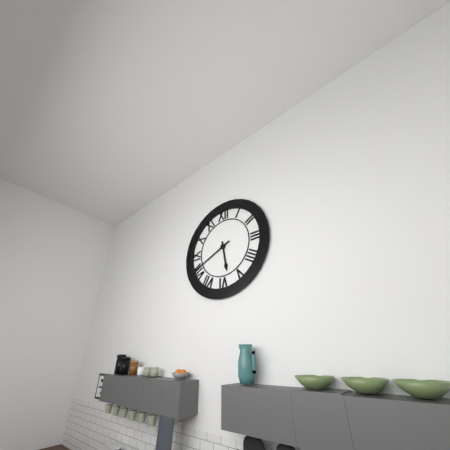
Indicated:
5.41
